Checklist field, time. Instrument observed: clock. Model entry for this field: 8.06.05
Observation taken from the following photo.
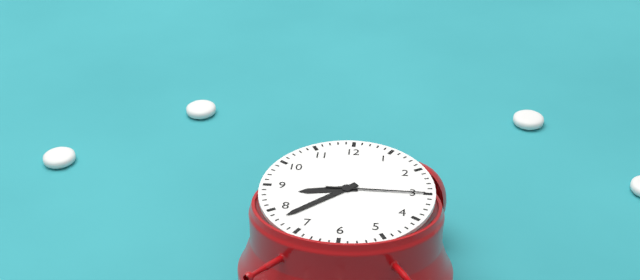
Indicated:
8.38.15
